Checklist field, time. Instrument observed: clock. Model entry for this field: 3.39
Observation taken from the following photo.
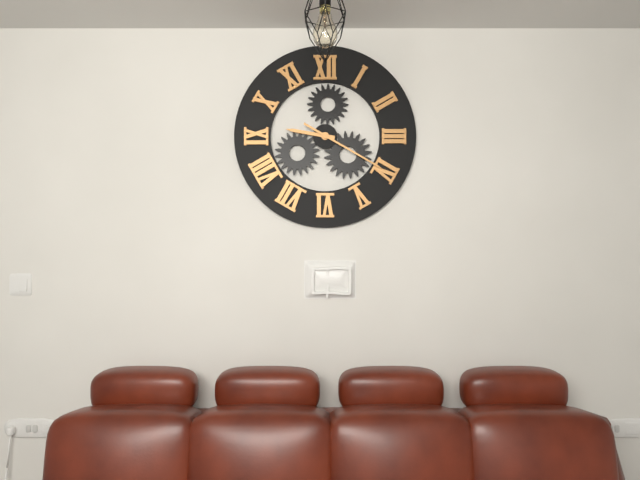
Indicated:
9.20
